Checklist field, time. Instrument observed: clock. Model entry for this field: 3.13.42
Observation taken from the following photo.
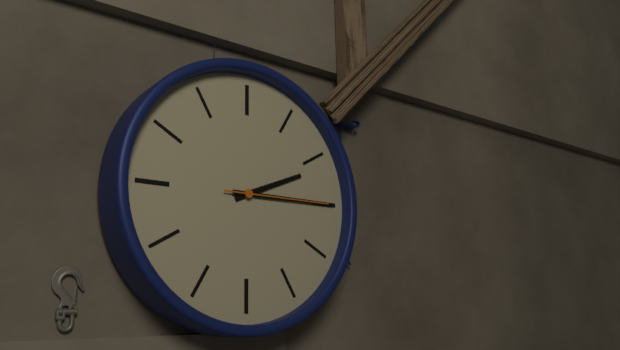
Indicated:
2.15.15
